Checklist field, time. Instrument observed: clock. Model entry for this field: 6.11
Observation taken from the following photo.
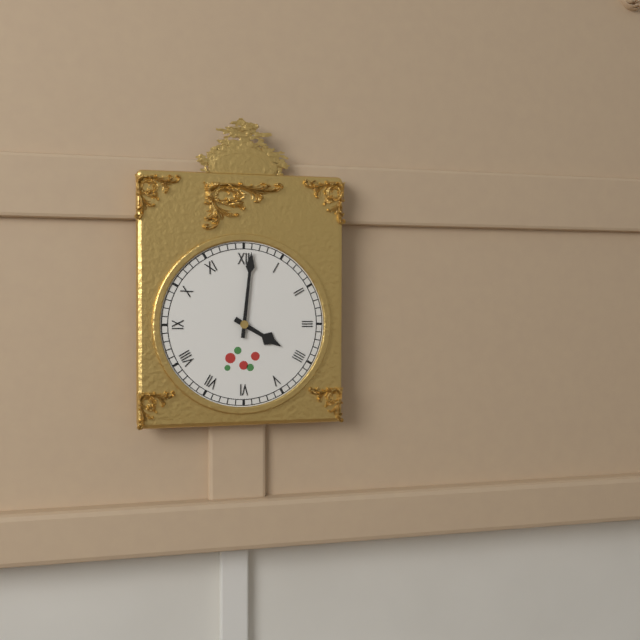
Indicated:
4.01
